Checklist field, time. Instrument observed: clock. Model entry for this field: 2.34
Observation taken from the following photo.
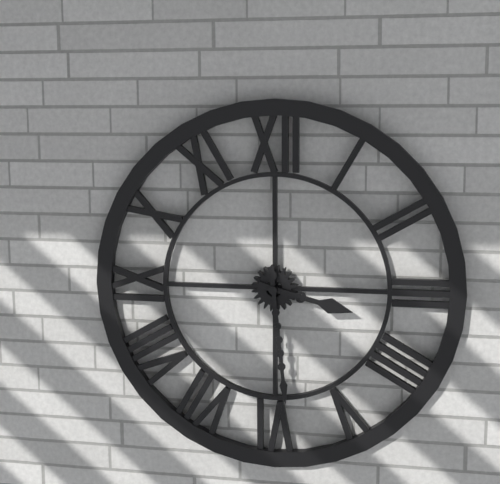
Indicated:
3.29
